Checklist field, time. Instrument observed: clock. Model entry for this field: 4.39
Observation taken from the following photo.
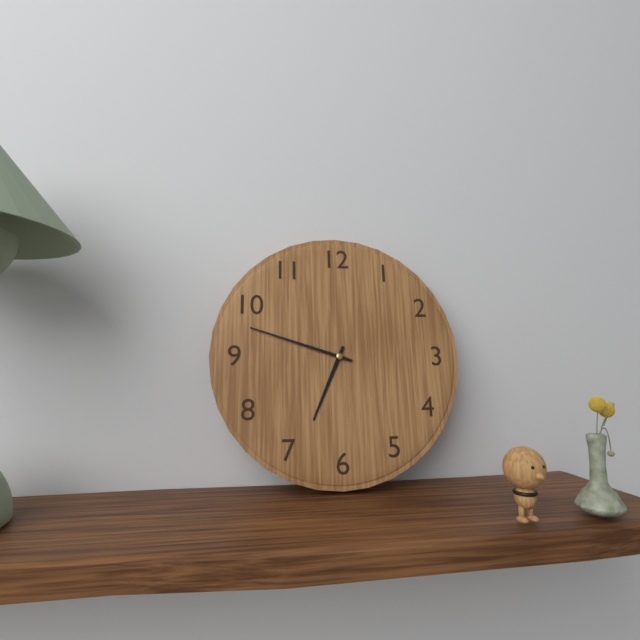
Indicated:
6.48
